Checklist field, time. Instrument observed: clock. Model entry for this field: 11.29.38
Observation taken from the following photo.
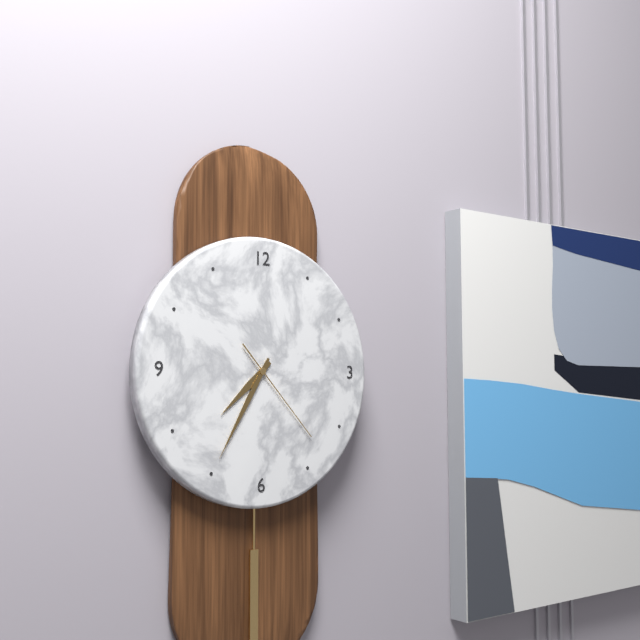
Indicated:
7.35.23
